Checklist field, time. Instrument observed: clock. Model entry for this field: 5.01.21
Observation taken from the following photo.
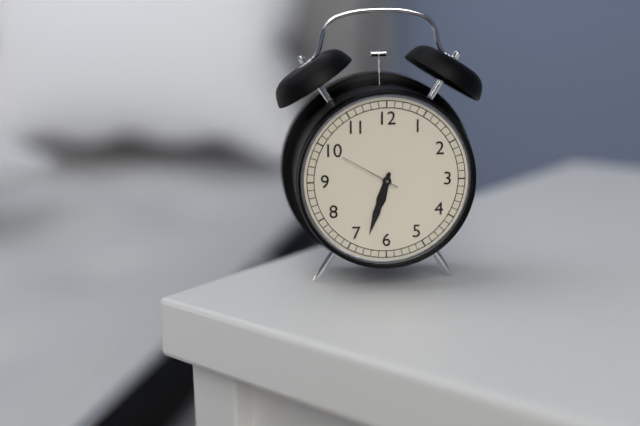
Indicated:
6.33.50
